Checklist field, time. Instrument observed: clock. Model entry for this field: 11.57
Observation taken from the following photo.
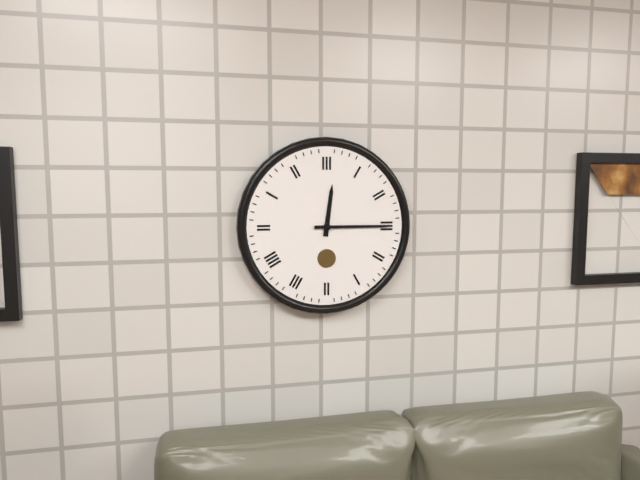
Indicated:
12.15
